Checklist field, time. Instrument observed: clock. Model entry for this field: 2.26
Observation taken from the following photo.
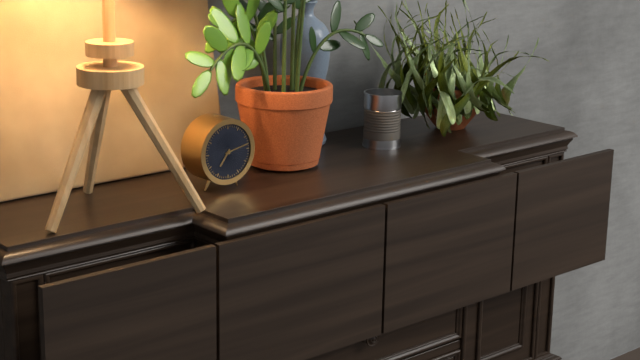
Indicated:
7.13
